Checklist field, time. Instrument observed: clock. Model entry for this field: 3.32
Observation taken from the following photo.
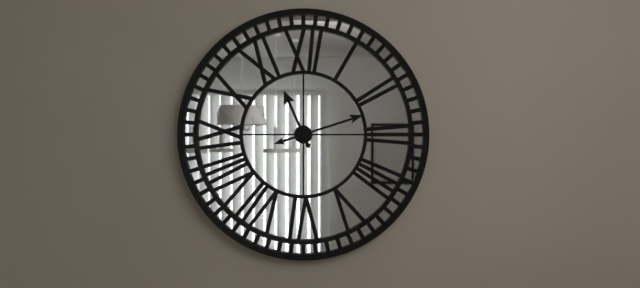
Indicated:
11.12
